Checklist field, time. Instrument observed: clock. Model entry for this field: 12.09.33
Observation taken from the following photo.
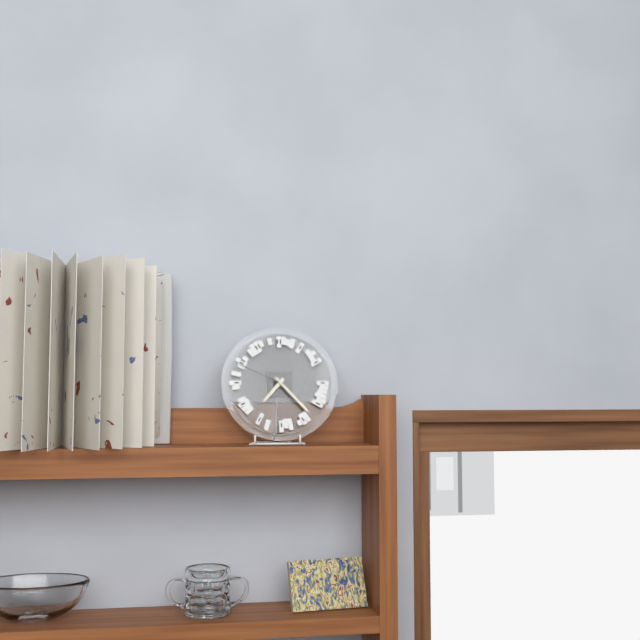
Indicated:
7.23.49
